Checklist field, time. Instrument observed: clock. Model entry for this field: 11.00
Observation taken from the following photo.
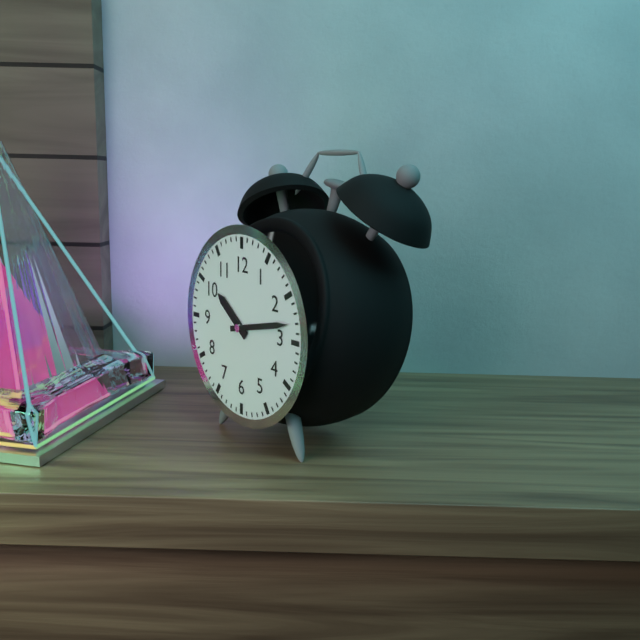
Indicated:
10.13
